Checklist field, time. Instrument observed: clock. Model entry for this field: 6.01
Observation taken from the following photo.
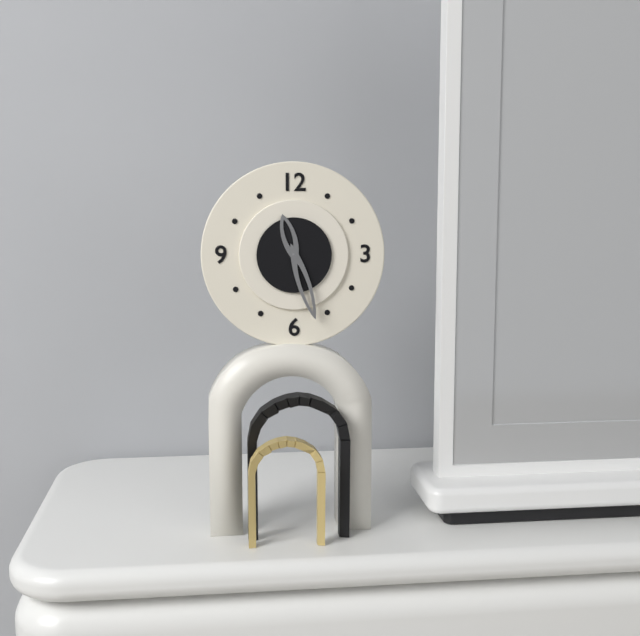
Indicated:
11.27
